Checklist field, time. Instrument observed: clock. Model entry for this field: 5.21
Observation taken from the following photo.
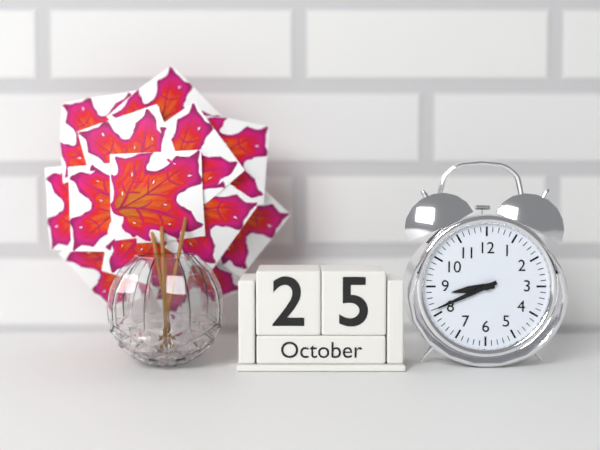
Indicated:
8.41
